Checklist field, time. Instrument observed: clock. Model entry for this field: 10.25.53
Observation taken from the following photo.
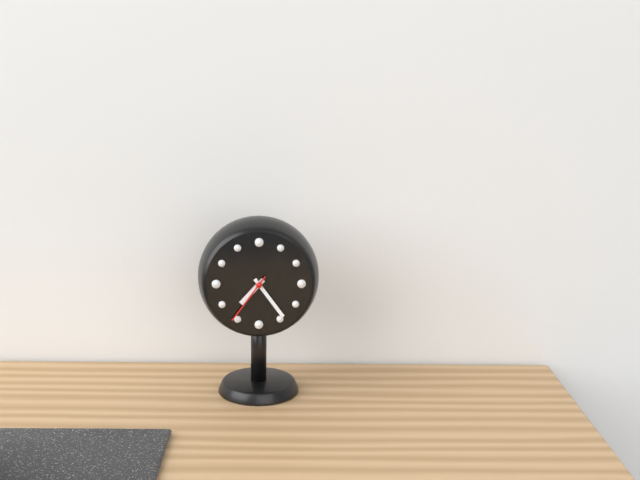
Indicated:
7.24.36
